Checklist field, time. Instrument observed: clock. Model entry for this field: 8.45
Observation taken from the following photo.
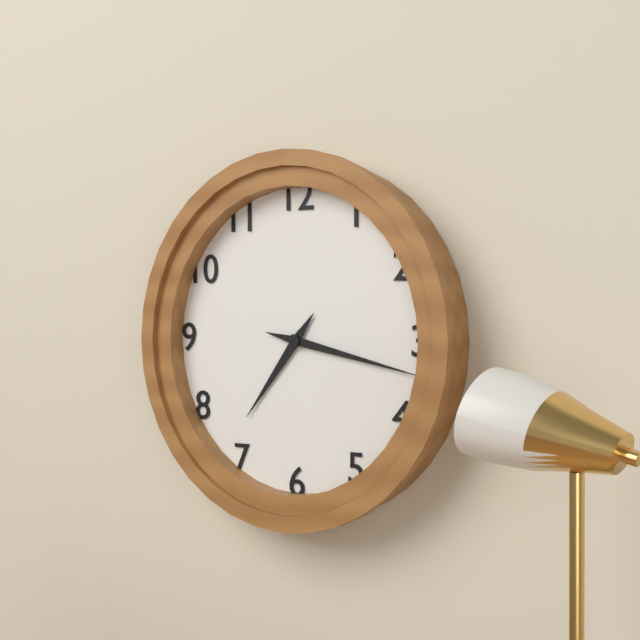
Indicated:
7.17
